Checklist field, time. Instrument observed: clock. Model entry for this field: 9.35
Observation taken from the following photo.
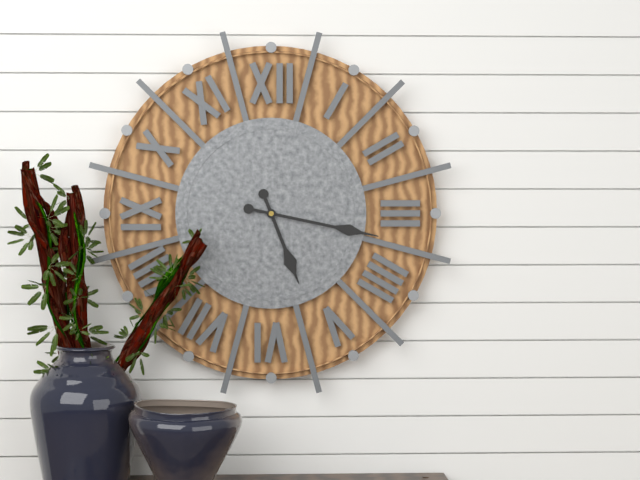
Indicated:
5.17
